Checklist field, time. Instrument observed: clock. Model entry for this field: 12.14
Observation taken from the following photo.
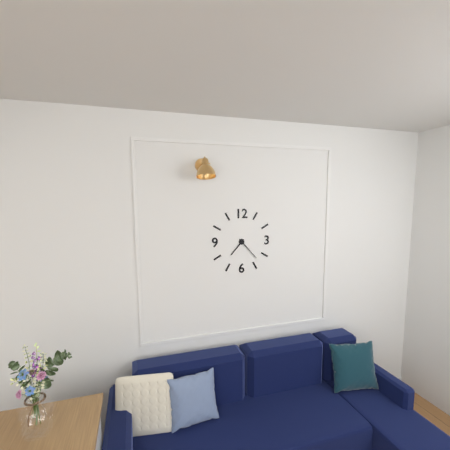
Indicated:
7.23
